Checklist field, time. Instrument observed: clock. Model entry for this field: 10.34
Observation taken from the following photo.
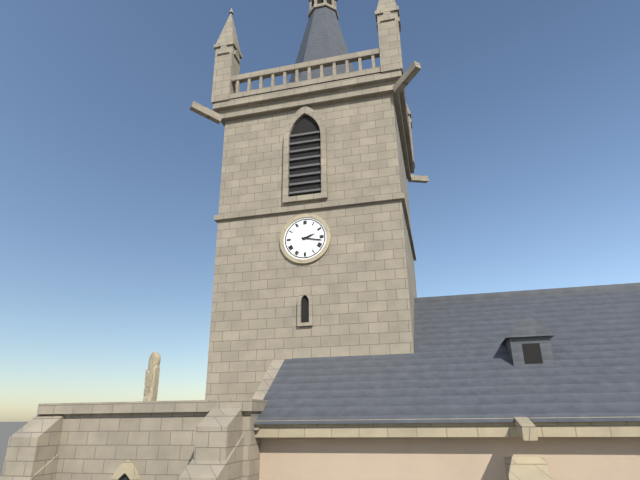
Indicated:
2.17
